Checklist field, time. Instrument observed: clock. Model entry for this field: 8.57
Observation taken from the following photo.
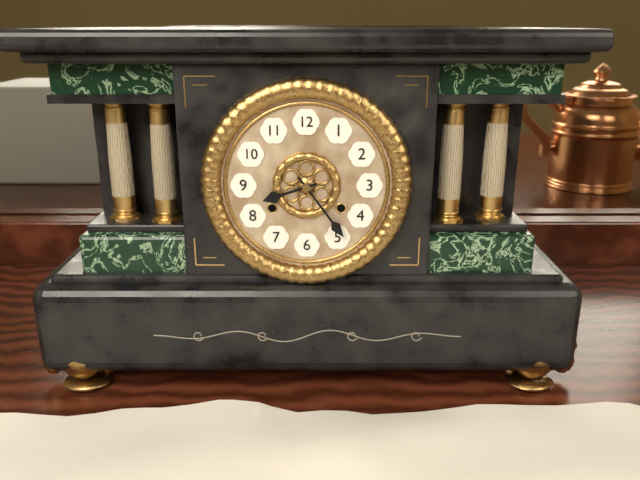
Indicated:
8.24
